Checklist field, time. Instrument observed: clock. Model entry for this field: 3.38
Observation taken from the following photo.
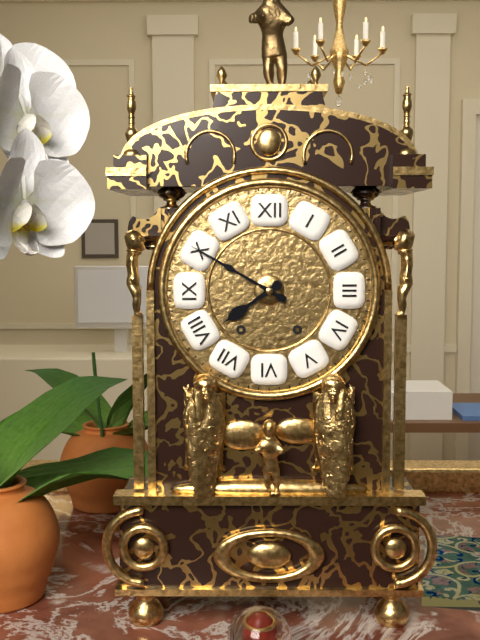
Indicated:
7.50
